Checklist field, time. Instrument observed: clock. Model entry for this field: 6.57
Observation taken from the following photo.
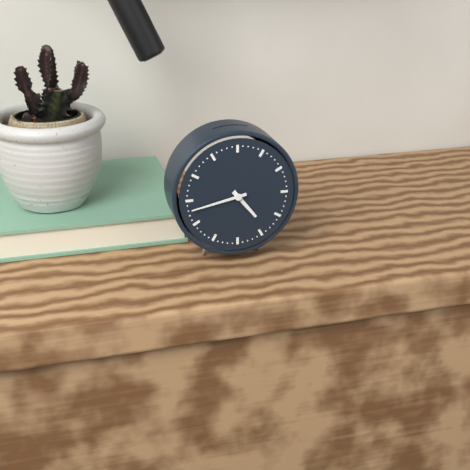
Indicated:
4.43
